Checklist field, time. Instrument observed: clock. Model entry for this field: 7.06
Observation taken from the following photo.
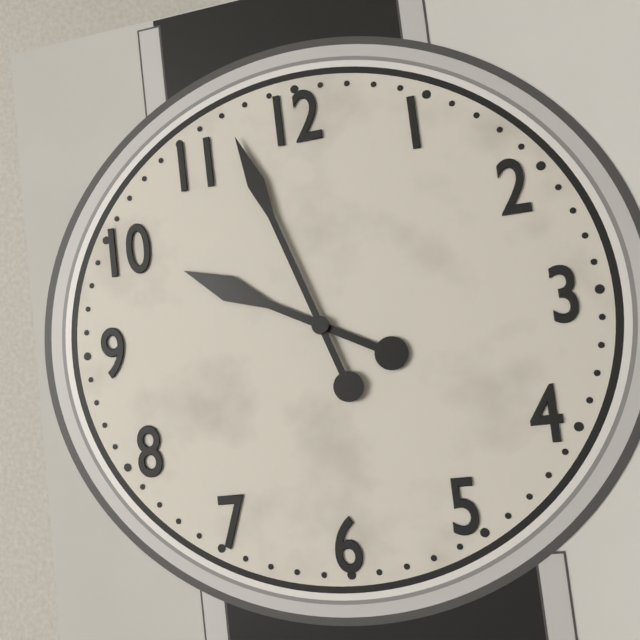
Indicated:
9.57
